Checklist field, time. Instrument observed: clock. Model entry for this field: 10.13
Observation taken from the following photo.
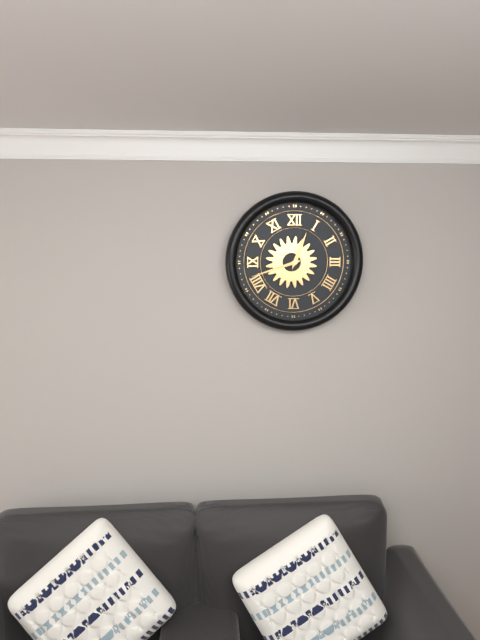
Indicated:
12.42
